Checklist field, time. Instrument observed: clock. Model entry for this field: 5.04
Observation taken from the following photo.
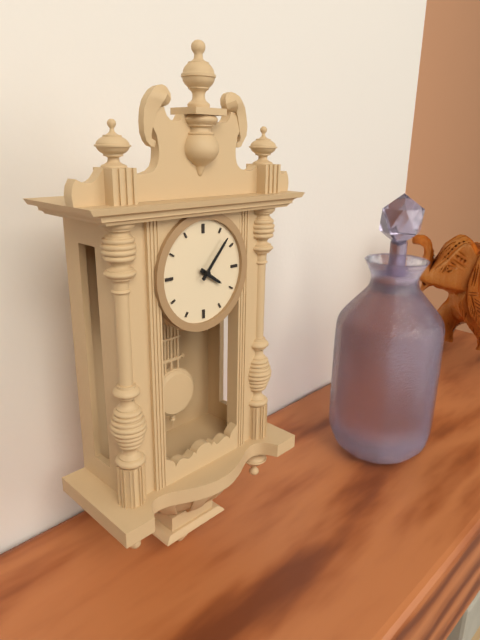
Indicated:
4.07
